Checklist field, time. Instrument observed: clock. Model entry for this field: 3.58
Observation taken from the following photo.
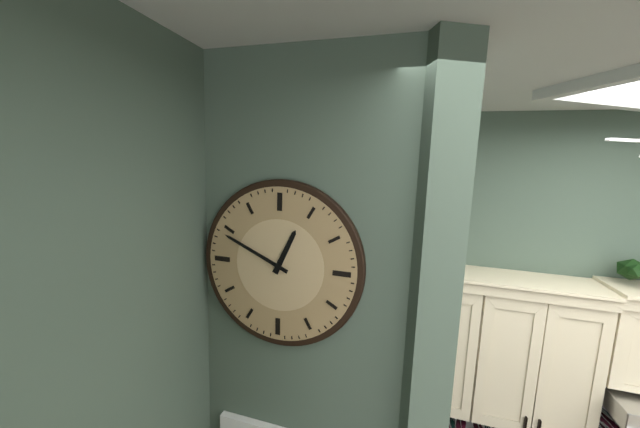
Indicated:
12.49
